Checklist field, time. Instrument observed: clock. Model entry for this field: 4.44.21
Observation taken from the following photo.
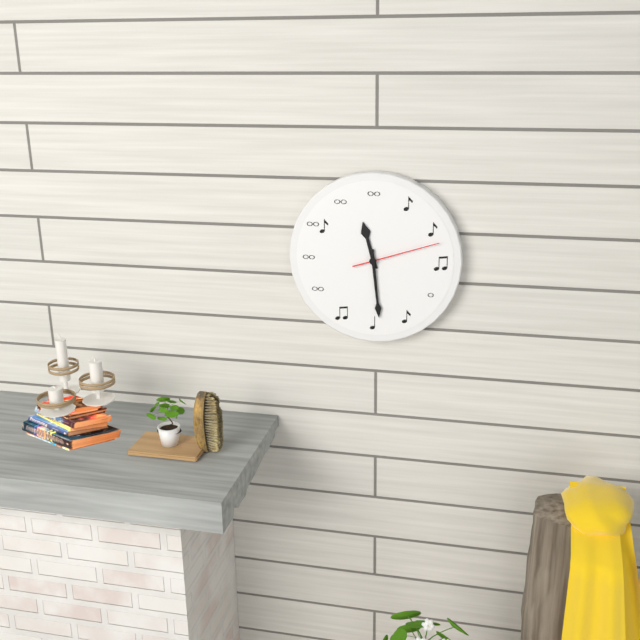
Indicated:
11.29.12
